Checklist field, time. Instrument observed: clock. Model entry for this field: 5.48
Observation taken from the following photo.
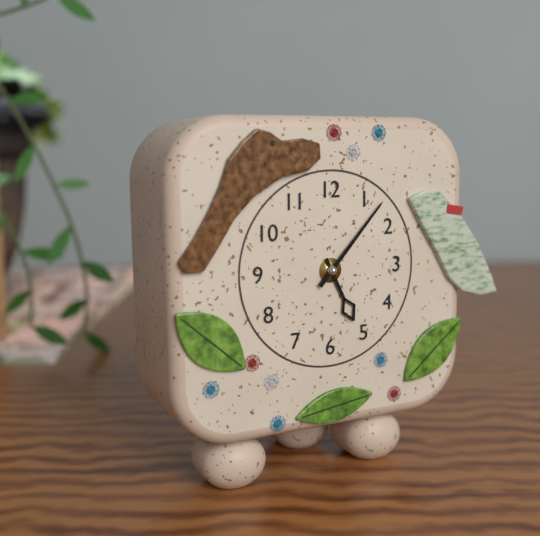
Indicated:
5.07
